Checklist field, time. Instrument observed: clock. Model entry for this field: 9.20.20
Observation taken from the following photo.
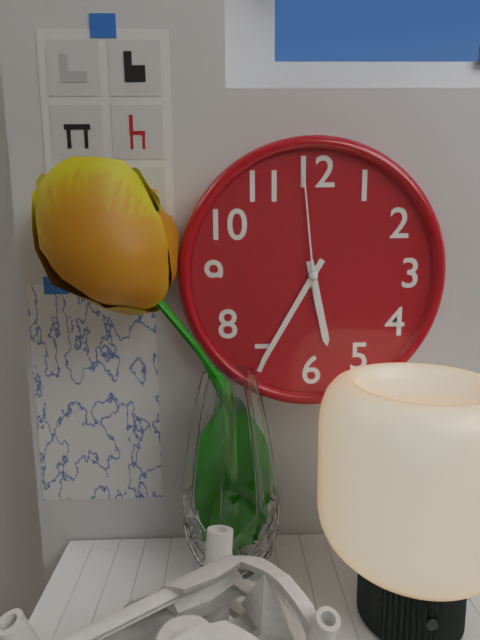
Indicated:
5.35.59
